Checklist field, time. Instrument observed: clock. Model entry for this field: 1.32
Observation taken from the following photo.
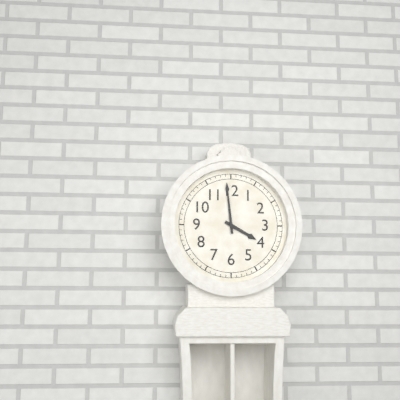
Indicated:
3.59
